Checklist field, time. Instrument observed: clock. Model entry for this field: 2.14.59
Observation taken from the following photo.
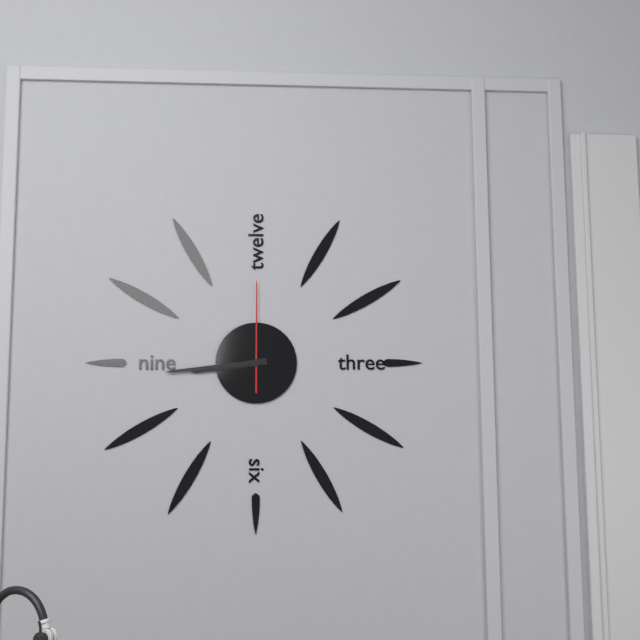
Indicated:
8.44.00
